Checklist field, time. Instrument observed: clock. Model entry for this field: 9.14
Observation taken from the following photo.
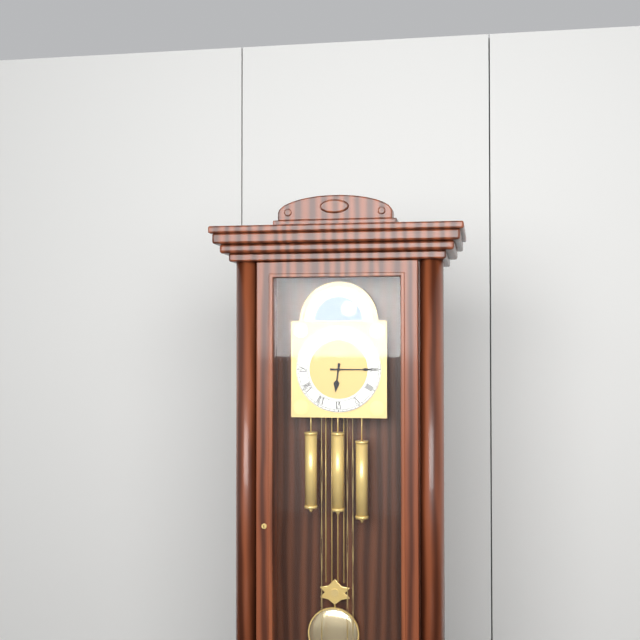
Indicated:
6.15
